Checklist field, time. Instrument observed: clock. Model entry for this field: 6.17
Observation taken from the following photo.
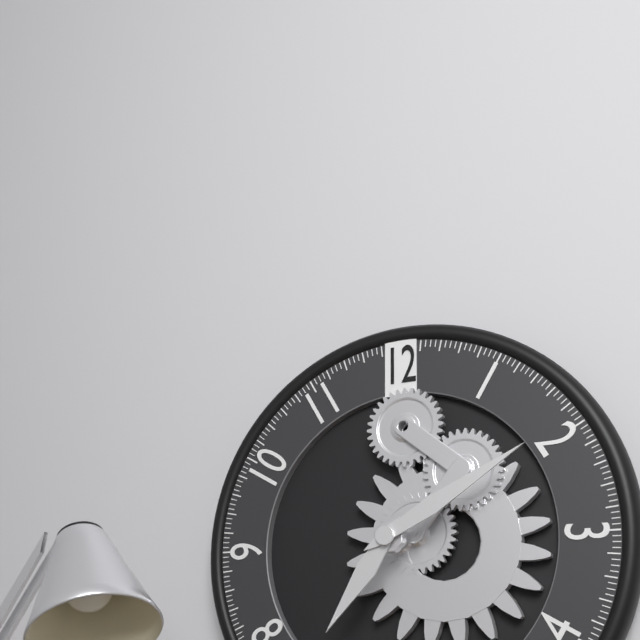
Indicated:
7.10
